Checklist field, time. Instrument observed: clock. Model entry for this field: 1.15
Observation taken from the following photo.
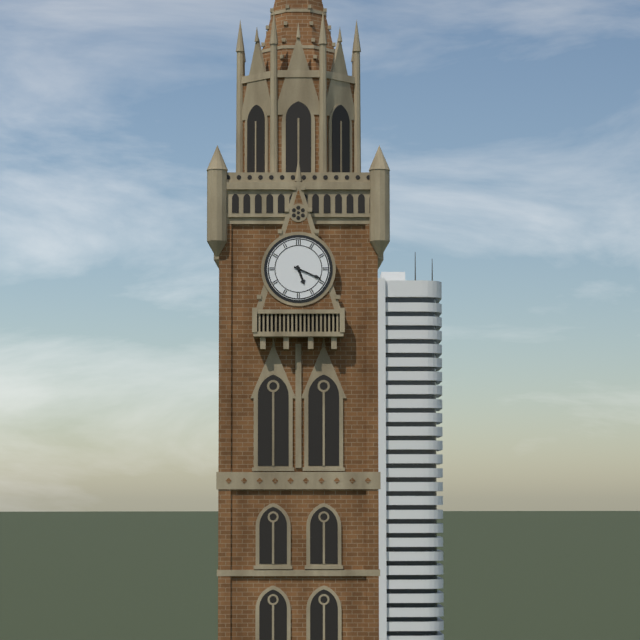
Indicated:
5.19
